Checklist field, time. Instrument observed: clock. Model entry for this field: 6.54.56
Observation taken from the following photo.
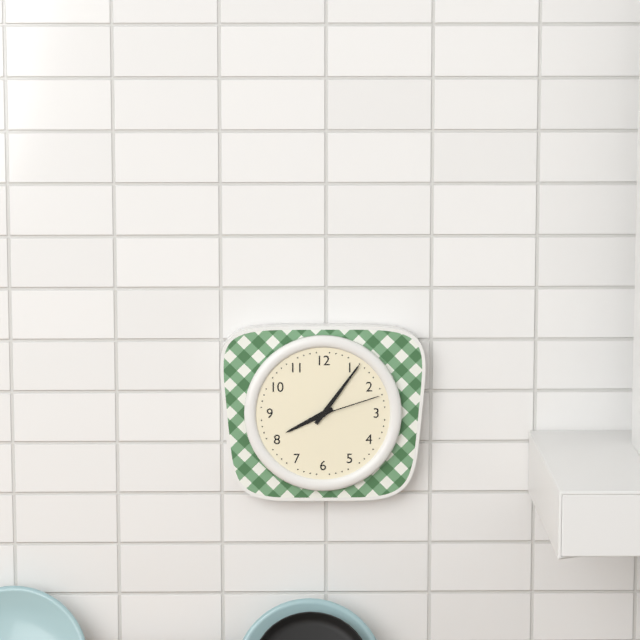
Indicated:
8.06.12
